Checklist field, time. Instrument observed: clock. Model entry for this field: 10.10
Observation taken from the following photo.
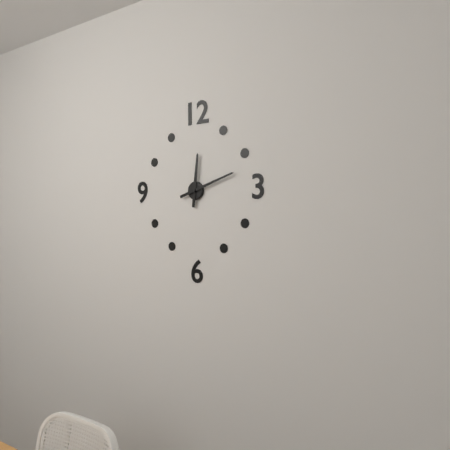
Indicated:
12.12
